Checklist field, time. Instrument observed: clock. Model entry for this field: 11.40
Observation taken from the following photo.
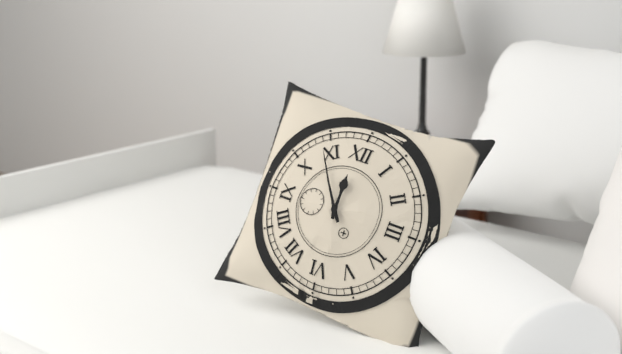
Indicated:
11.54
